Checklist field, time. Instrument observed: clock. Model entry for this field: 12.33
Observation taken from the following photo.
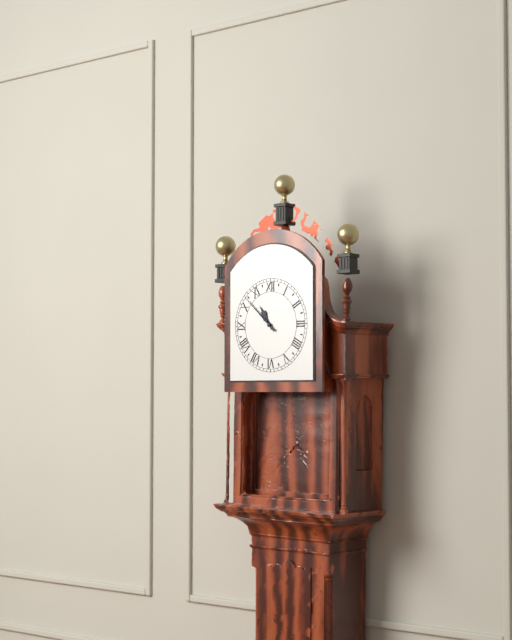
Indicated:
10.52
